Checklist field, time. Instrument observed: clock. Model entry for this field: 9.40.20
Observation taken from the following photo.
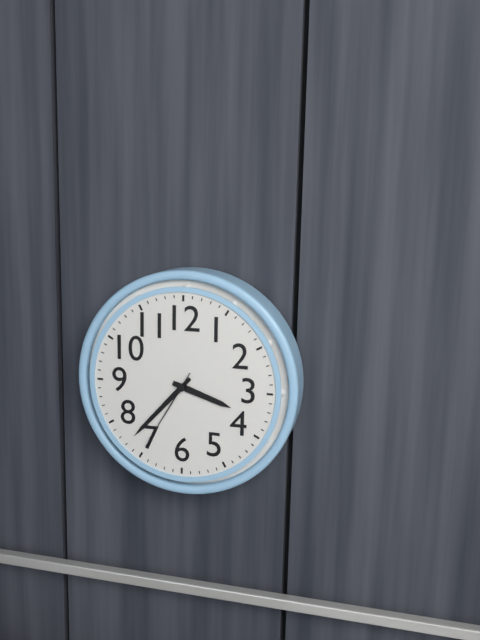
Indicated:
3.37.35
